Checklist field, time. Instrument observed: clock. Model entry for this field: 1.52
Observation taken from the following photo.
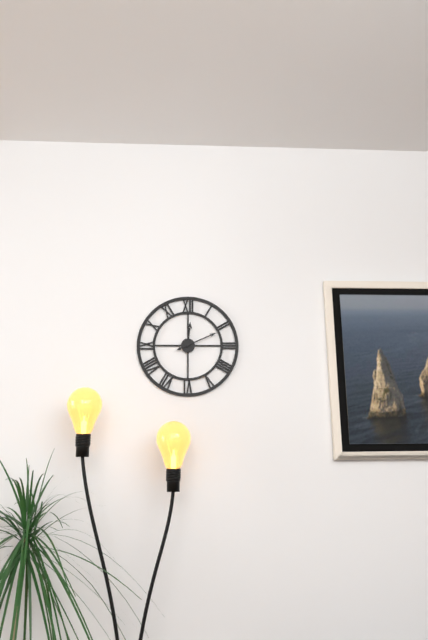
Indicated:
12.11
